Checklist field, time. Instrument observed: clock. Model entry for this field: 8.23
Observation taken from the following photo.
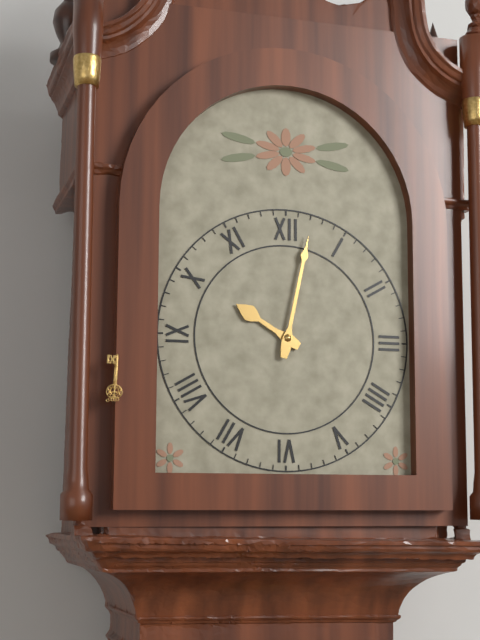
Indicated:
10.02
